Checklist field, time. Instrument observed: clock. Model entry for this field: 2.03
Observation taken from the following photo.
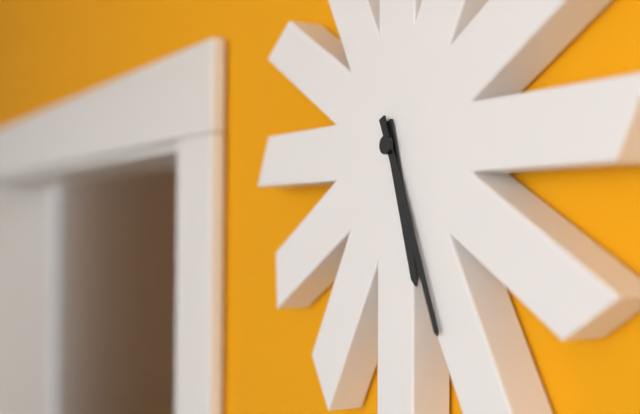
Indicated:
5.26
